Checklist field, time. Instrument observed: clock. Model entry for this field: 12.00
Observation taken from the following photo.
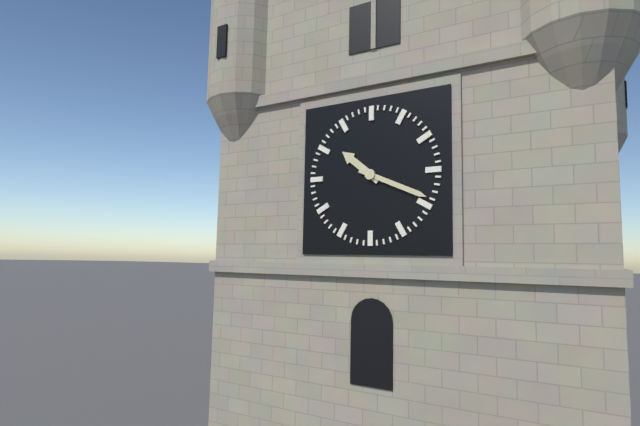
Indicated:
10.19
